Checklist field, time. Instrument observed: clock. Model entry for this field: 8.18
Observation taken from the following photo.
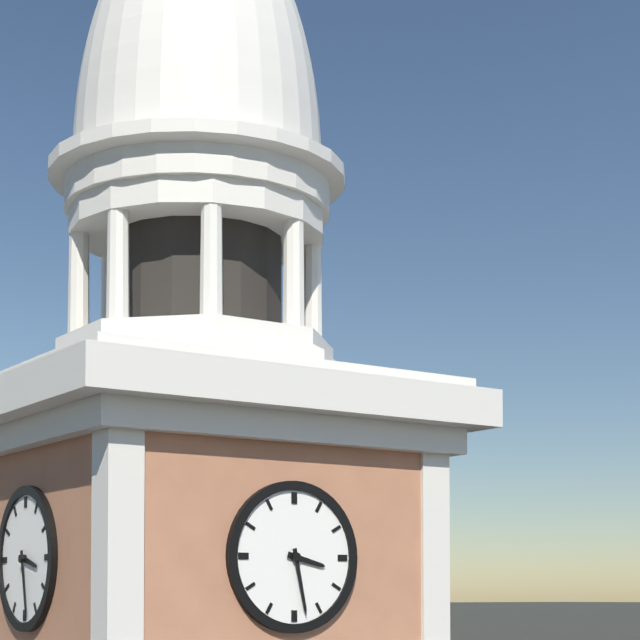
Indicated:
3.28
